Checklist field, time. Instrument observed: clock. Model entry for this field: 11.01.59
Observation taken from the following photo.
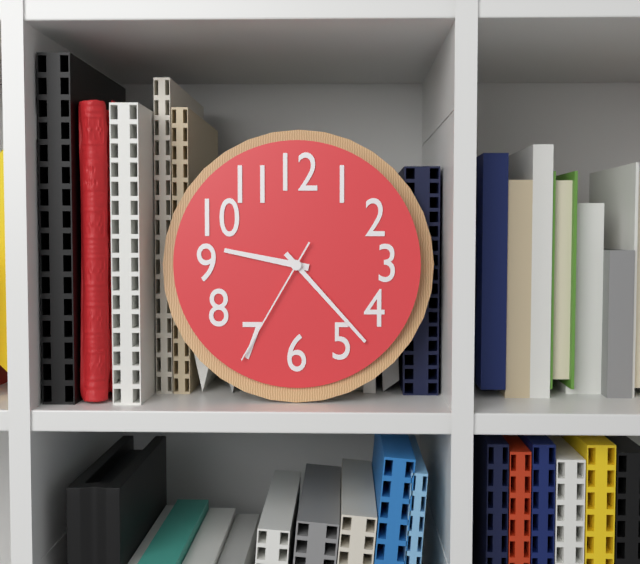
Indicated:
9.23.35
